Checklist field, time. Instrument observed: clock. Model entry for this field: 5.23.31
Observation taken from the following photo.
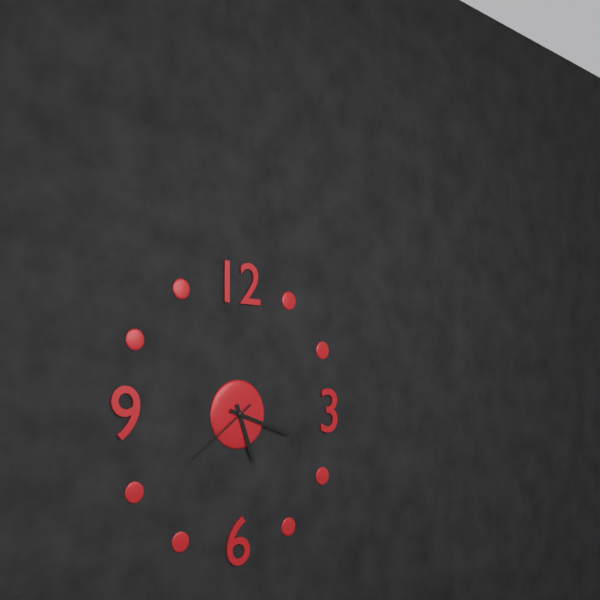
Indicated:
5.18.39
